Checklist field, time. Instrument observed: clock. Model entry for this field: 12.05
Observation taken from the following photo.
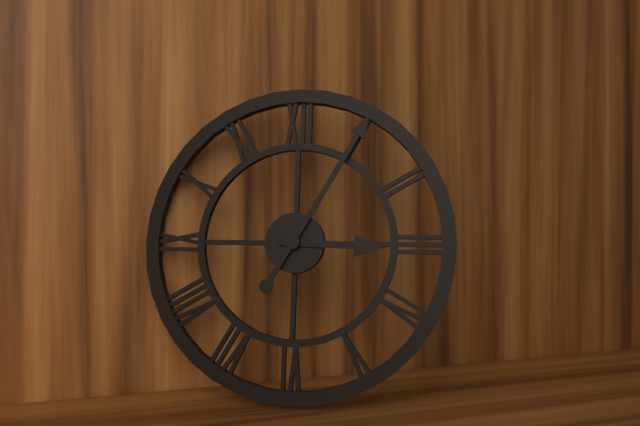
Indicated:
3.05
